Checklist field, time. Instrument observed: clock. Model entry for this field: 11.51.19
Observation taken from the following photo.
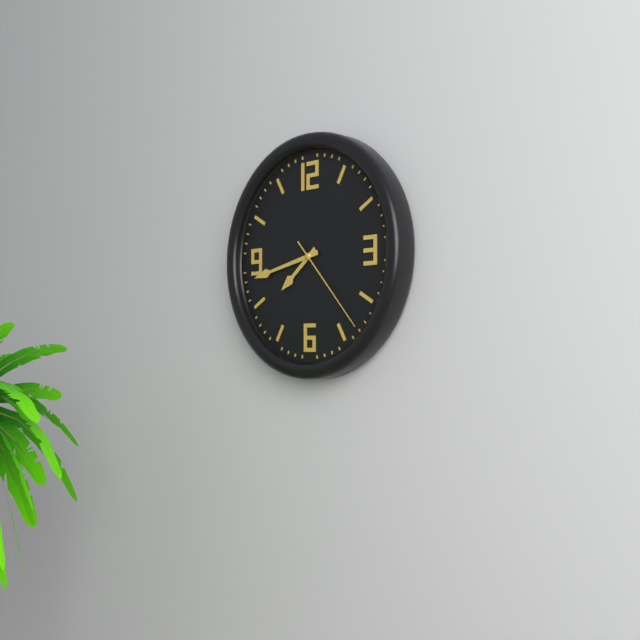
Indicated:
7.43.23
